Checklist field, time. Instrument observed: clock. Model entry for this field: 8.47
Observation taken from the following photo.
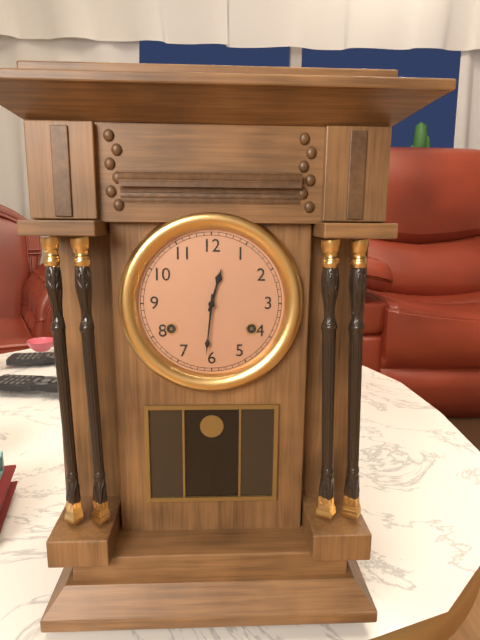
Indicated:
12.31
